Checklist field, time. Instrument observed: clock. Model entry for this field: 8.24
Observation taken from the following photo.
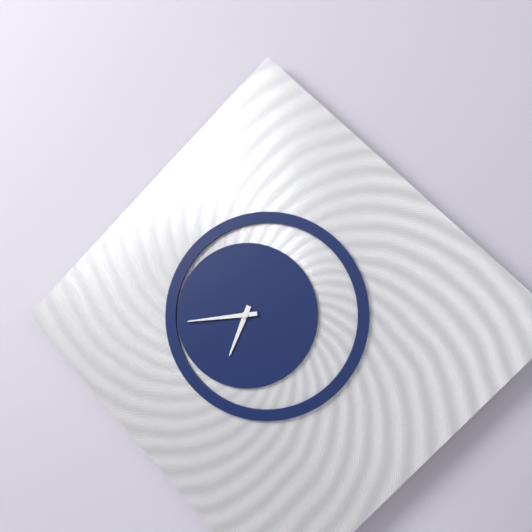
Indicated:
6.44
